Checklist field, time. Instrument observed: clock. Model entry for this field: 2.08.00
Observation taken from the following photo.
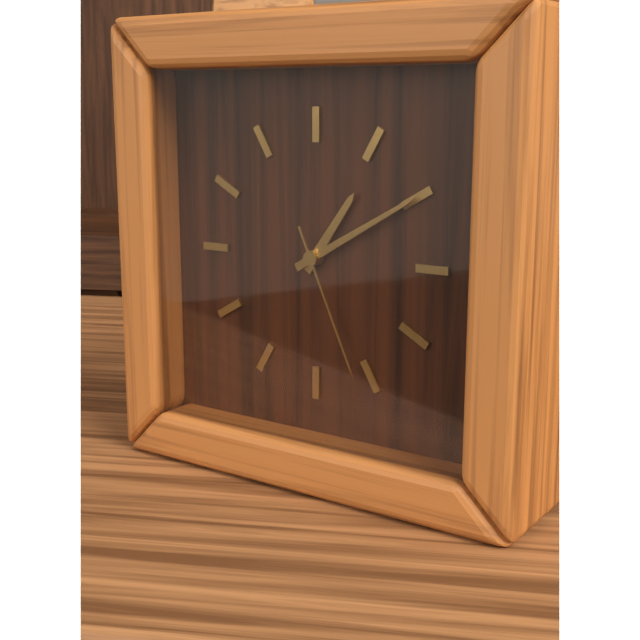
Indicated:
1.10.26
